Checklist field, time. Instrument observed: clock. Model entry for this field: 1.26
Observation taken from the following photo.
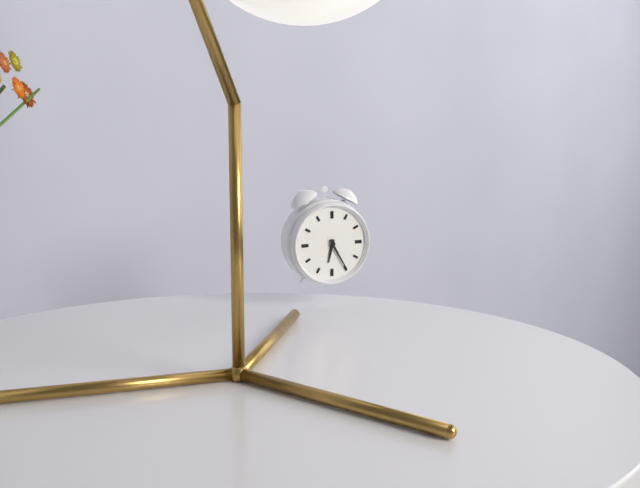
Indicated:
6.25
